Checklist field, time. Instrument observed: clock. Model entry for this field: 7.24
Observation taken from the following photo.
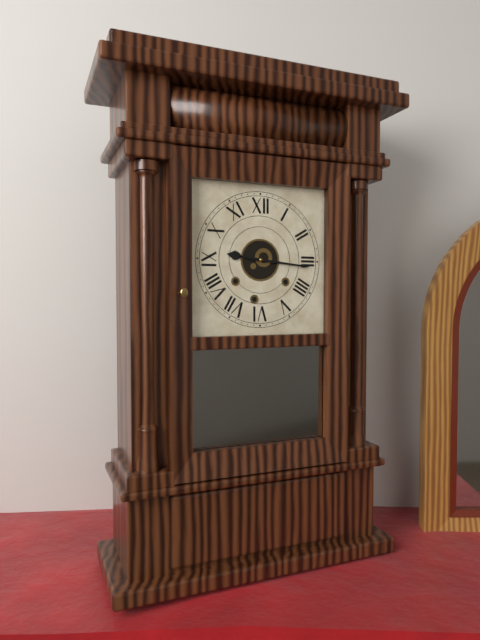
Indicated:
9.16
